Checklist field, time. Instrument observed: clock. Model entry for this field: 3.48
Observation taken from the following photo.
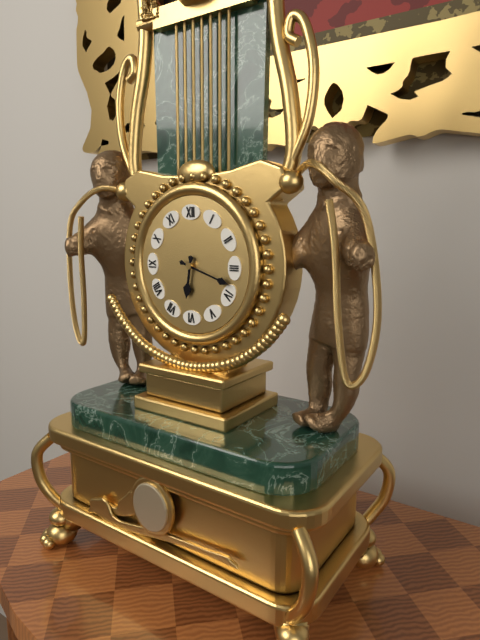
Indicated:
6.18
